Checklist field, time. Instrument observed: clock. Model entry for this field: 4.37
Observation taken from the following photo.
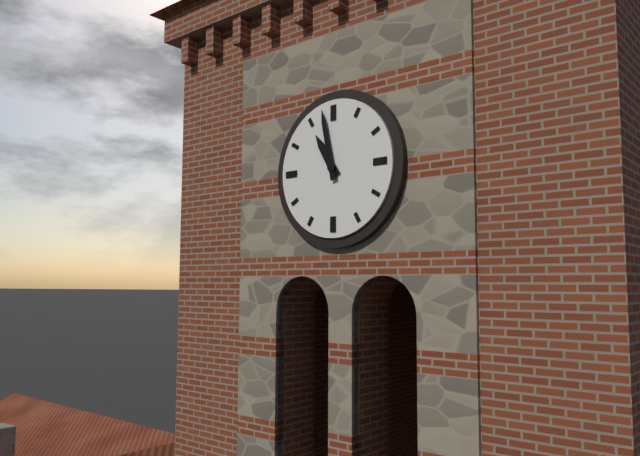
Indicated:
10.58
